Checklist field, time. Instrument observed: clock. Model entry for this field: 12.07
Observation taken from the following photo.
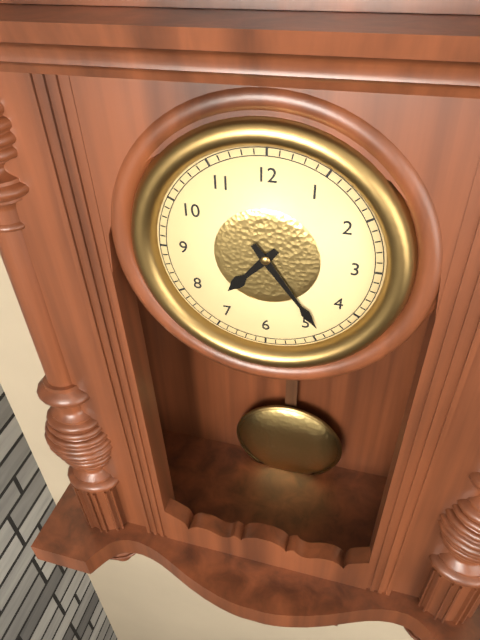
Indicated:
7.24
